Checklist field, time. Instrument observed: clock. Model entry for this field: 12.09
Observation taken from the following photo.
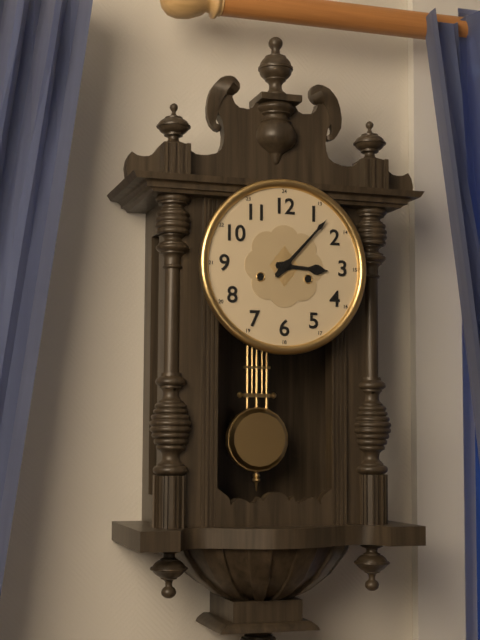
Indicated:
3.07
